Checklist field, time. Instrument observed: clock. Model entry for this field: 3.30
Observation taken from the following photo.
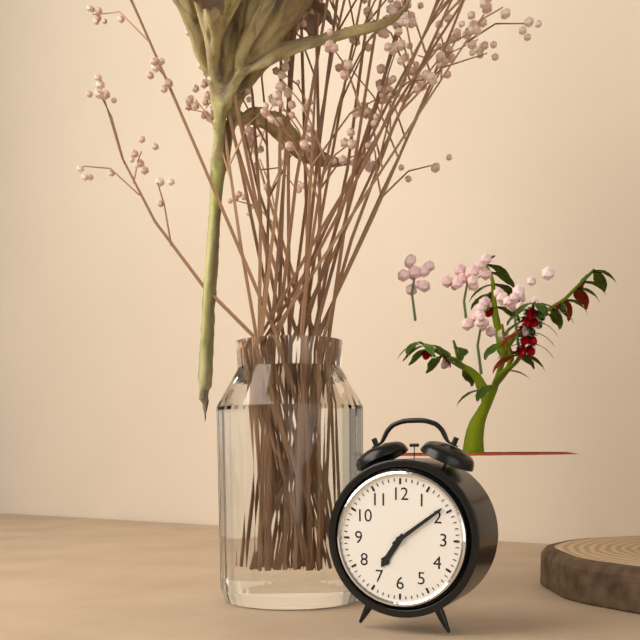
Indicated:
7.09
